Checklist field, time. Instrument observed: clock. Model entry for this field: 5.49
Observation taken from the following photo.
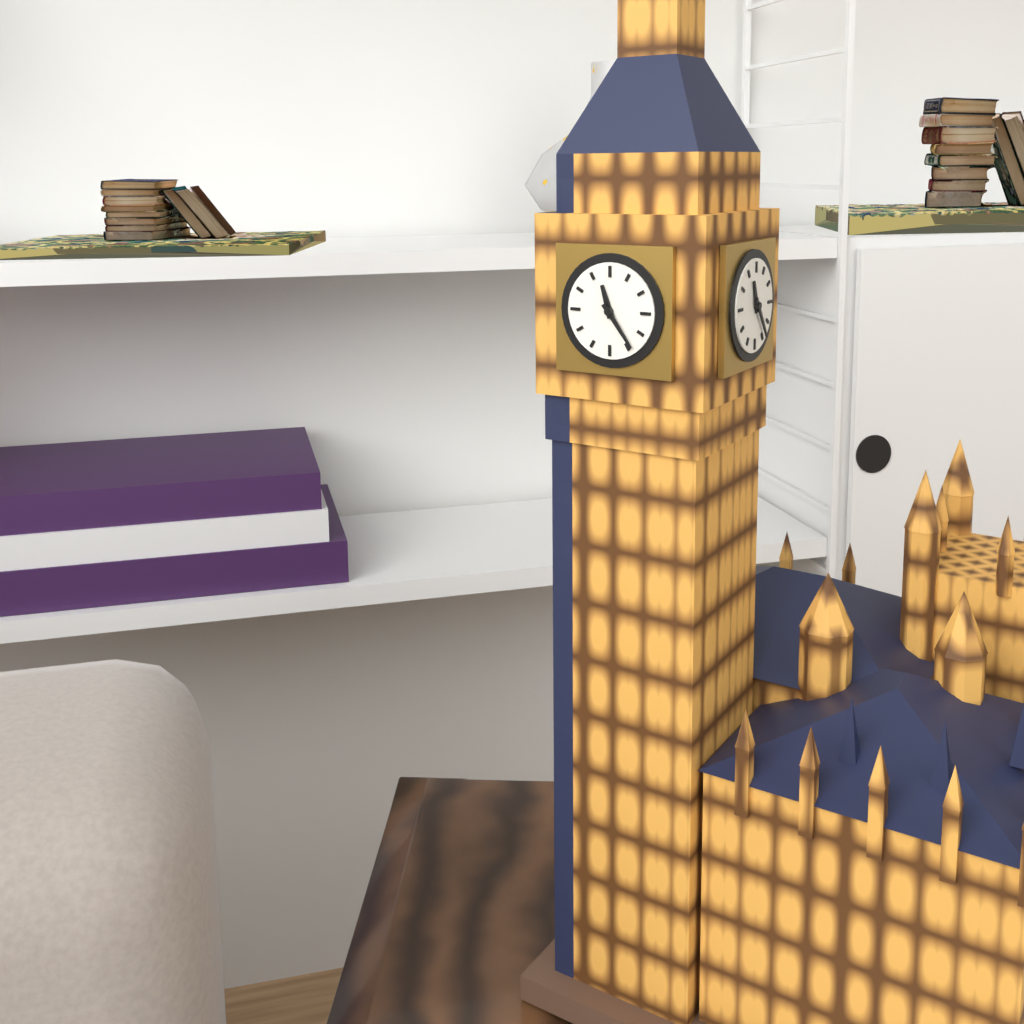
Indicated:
11.24
